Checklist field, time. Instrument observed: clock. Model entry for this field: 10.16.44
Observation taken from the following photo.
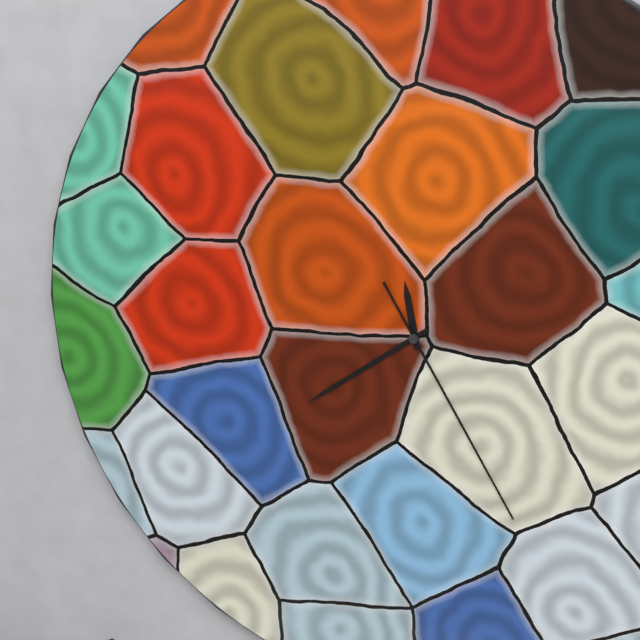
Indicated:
11.39.25
